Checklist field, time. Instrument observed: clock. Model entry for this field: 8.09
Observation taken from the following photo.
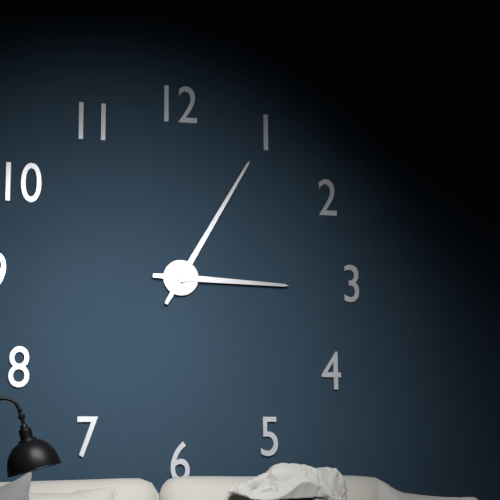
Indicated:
3.05
